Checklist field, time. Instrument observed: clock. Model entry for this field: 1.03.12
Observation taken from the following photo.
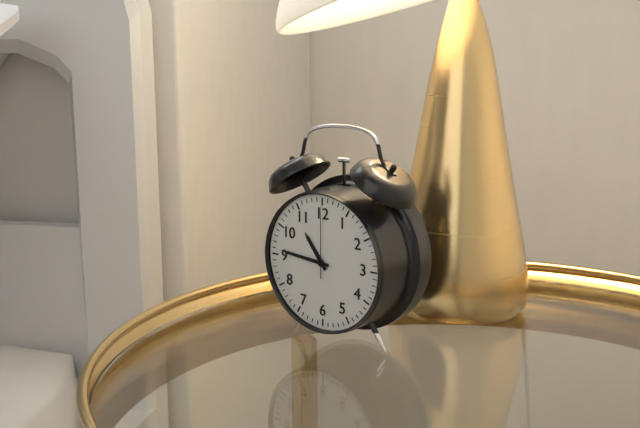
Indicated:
10.46.00
